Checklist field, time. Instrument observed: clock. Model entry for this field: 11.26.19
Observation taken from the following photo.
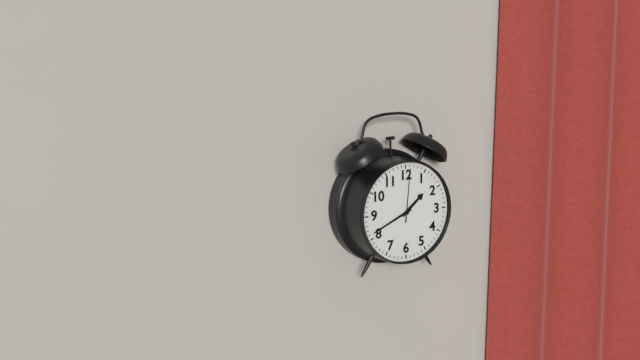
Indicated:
1.41.01
